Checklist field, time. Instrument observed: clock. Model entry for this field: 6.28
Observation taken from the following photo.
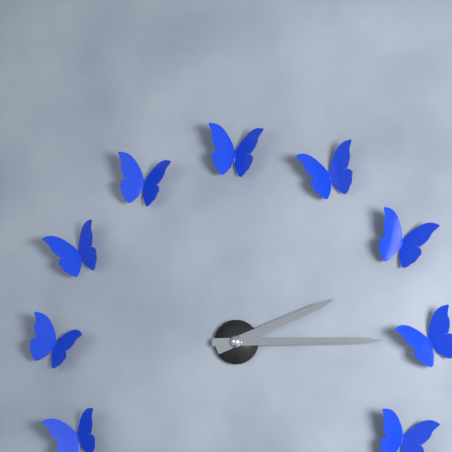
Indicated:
2.15
